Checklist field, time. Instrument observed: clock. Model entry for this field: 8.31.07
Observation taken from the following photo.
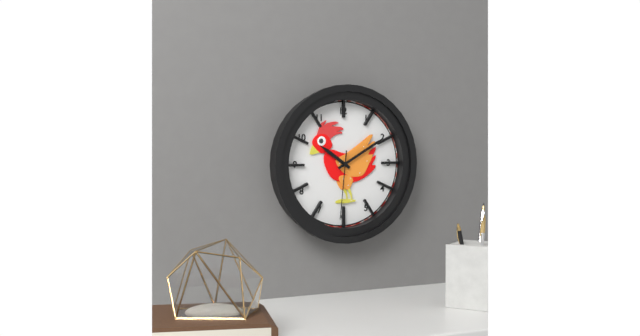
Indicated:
10.10.31
